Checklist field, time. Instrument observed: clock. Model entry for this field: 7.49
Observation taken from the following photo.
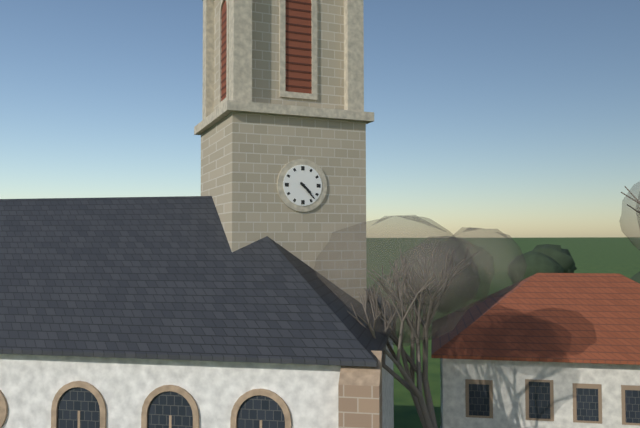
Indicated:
4.23
